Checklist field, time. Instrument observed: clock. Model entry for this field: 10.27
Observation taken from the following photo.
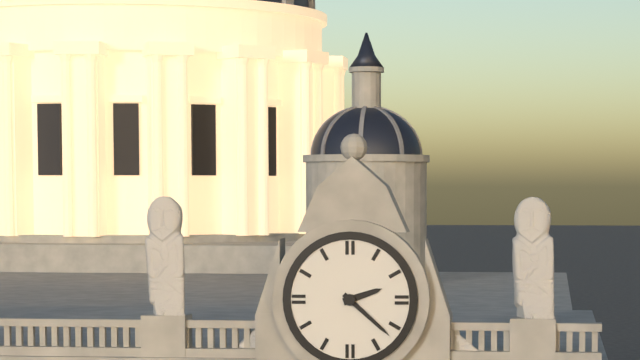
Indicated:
2.22
